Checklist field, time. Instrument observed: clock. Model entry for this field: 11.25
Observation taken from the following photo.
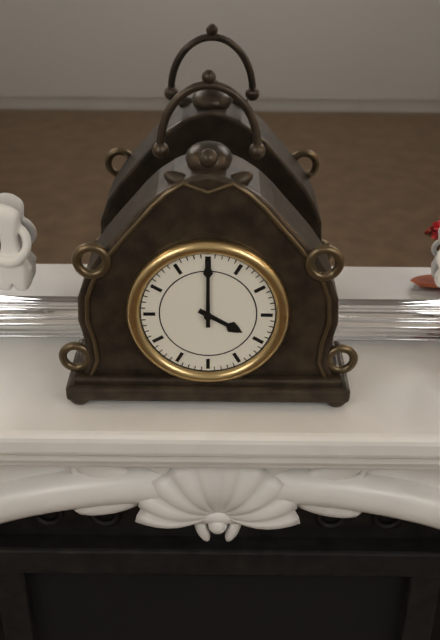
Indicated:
4.00
